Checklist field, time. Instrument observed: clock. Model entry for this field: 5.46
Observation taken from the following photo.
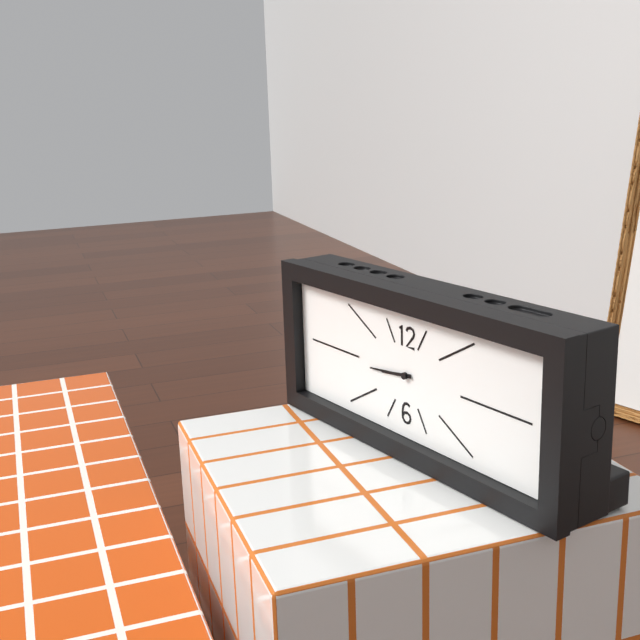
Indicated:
8.44
